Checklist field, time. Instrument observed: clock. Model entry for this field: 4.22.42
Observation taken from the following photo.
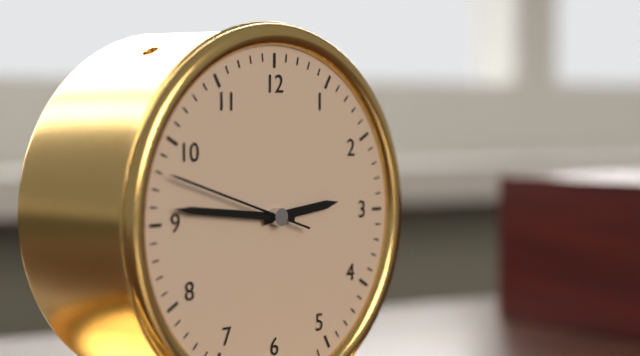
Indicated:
2.46.48
